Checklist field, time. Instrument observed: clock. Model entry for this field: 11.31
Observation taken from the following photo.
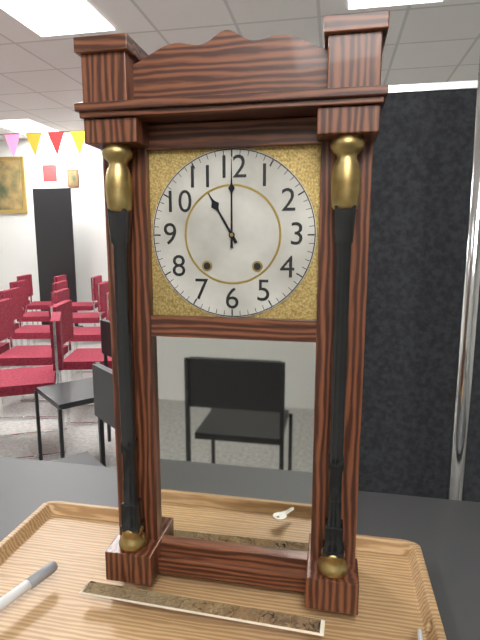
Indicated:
11.00
